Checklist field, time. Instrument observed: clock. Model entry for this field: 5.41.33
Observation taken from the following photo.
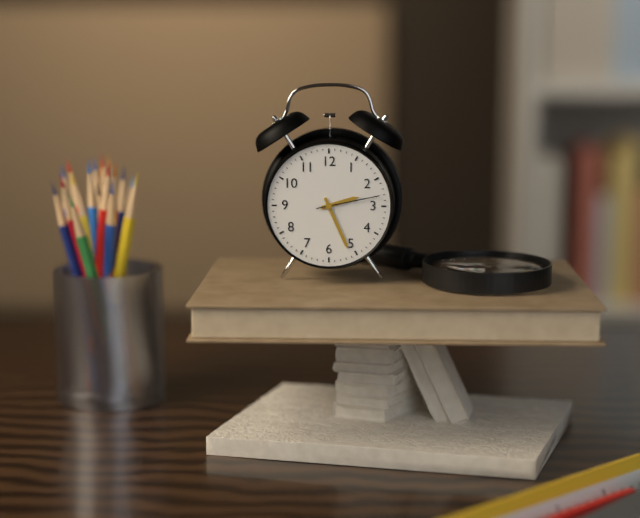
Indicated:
2.26.13
